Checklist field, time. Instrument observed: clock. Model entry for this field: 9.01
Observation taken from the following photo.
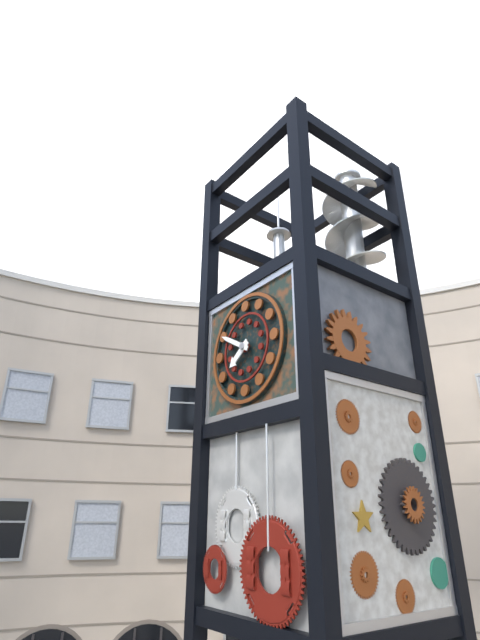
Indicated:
7.50
